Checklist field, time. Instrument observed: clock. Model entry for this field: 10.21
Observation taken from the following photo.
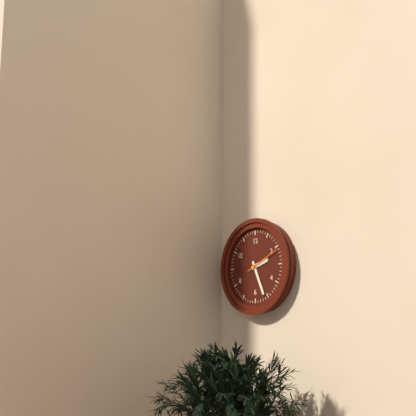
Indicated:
2.26
